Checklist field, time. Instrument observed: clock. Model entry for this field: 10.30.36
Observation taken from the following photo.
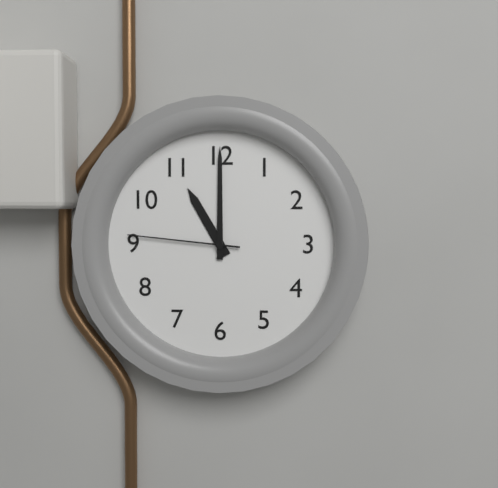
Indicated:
11.00.46
